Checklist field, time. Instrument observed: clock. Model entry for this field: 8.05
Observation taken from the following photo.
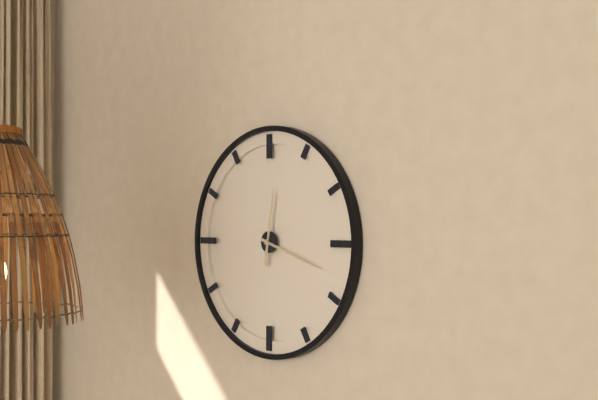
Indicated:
12.18
